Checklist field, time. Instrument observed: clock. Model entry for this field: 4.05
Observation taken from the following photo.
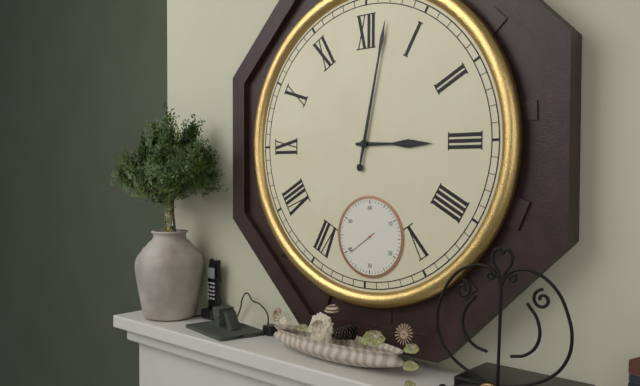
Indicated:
3.02
